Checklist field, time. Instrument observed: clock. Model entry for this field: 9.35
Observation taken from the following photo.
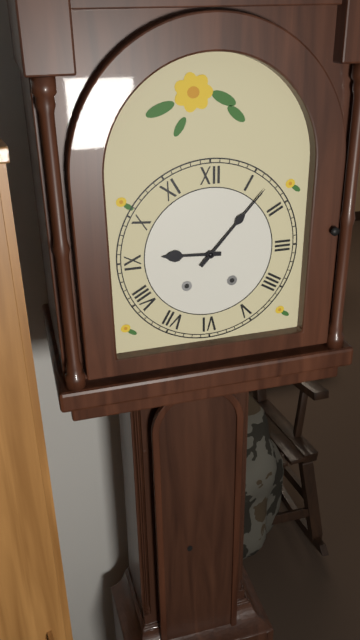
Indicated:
9.07
